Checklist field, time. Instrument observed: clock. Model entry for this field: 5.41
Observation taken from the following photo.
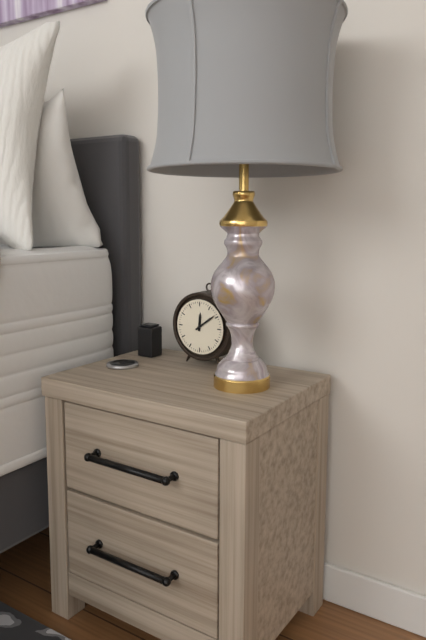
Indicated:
12.09
